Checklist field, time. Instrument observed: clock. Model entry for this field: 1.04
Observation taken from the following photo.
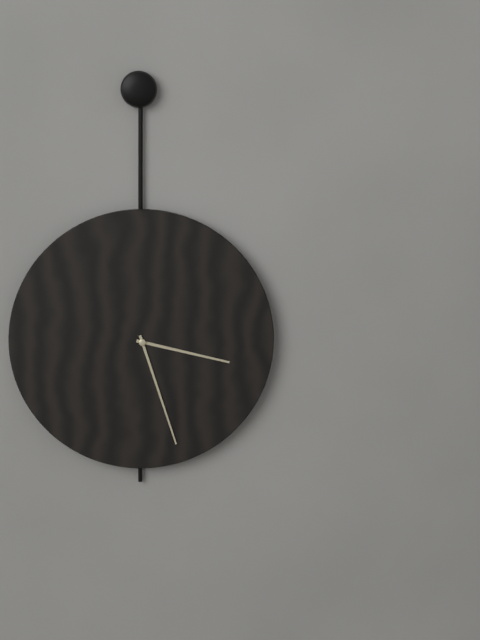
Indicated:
3.27
